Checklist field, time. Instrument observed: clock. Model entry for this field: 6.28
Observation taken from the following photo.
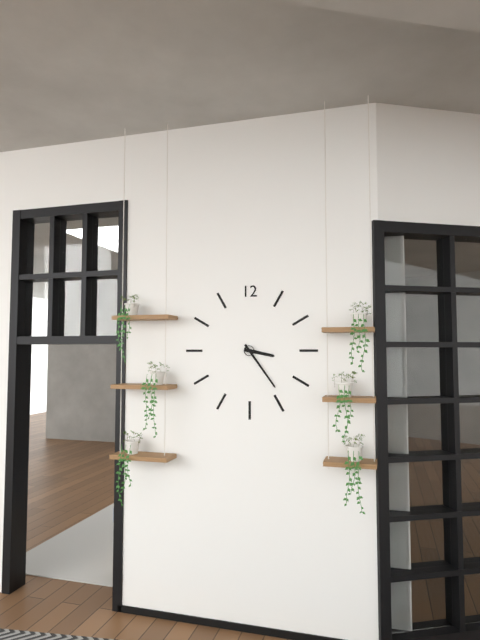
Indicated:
3.24
